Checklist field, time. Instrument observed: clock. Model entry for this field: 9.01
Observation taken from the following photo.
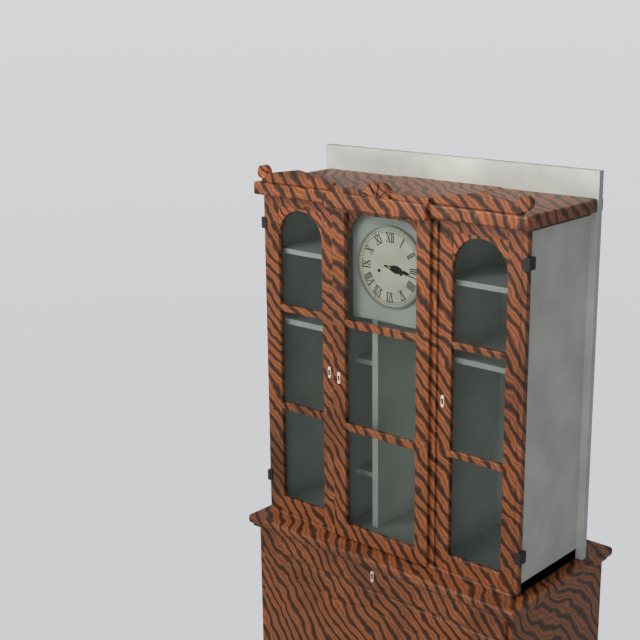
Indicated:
3.17
